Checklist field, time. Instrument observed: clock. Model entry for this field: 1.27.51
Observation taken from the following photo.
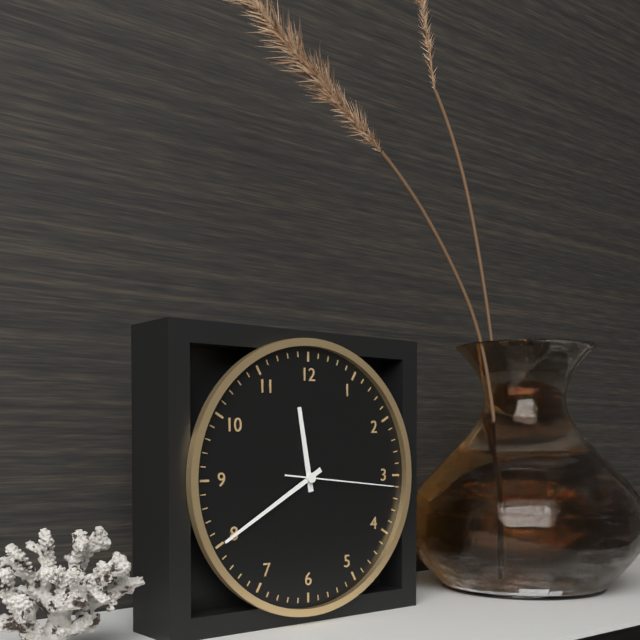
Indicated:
11.40.16
